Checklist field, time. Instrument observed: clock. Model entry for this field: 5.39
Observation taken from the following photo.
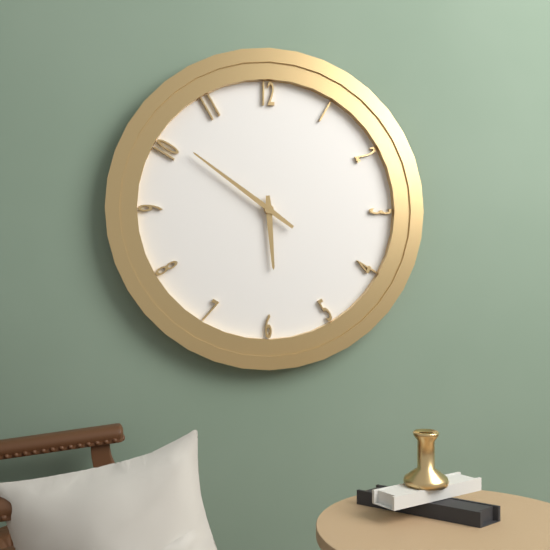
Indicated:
5.51
